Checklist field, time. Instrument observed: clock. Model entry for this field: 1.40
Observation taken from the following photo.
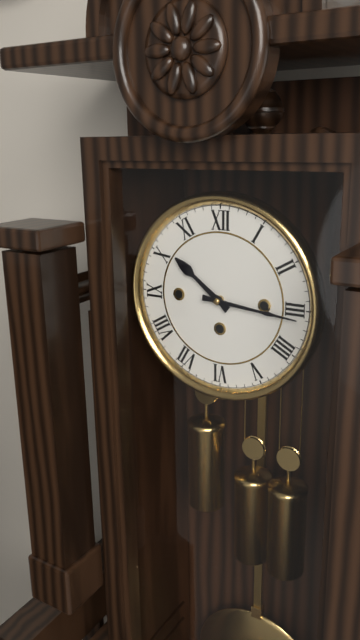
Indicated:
10.16
